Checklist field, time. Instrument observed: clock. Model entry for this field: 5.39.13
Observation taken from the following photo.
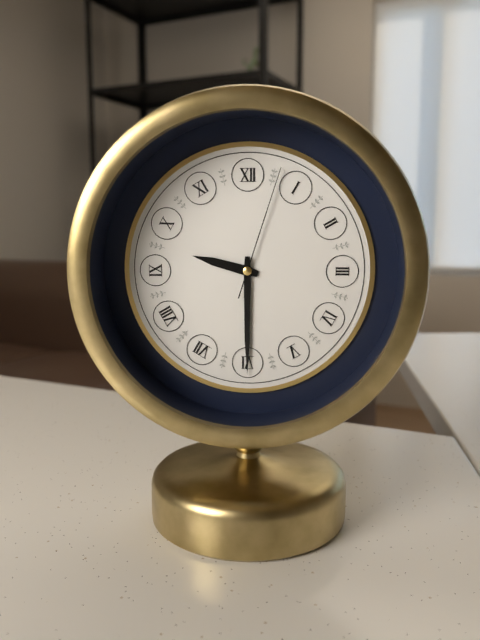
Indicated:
9.30.03
